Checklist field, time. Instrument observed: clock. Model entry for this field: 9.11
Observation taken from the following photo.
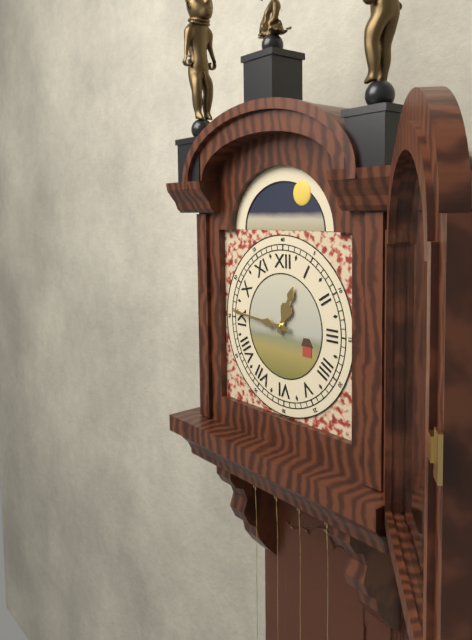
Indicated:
12.46
